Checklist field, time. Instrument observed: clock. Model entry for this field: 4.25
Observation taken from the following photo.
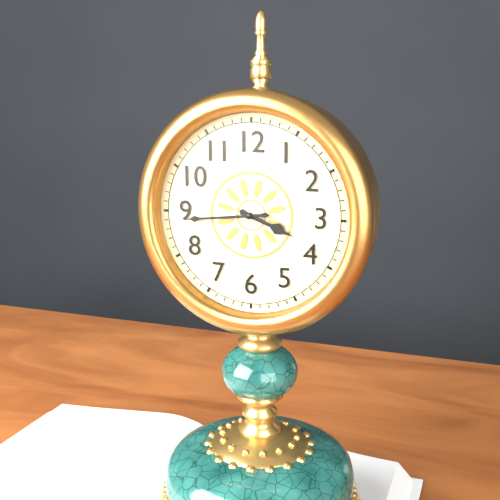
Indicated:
3.44
